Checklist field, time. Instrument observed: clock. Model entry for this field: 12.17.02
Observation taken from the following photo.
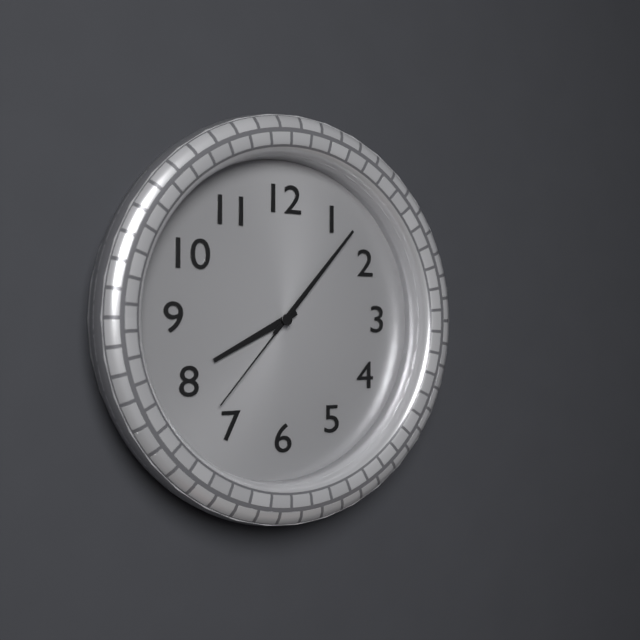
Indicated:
8.07.37
